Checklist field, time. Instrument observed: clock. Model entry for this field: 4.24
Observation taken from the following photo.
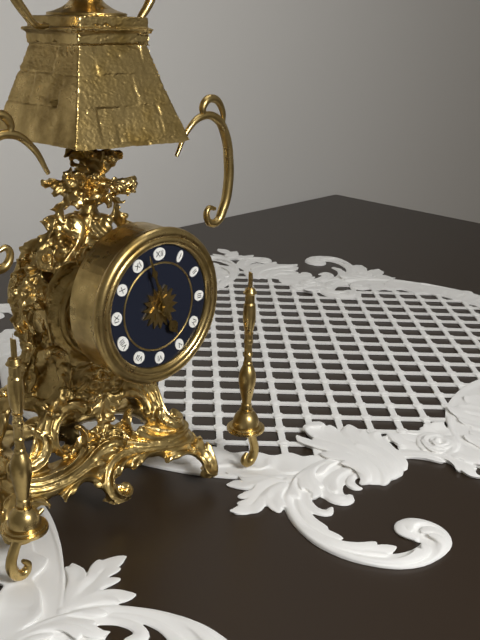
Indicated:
4.57
